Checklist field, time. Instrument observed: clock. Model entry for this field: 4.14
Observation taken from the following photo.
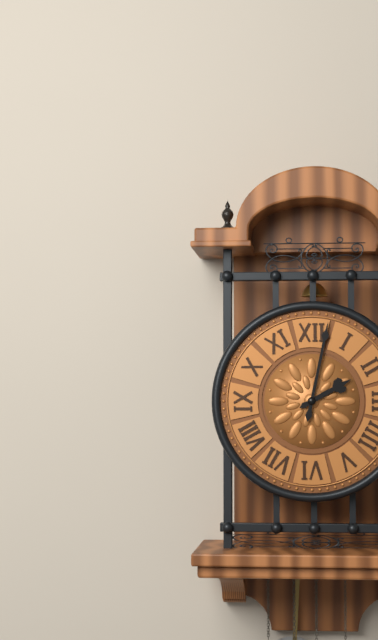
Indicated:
2.02
